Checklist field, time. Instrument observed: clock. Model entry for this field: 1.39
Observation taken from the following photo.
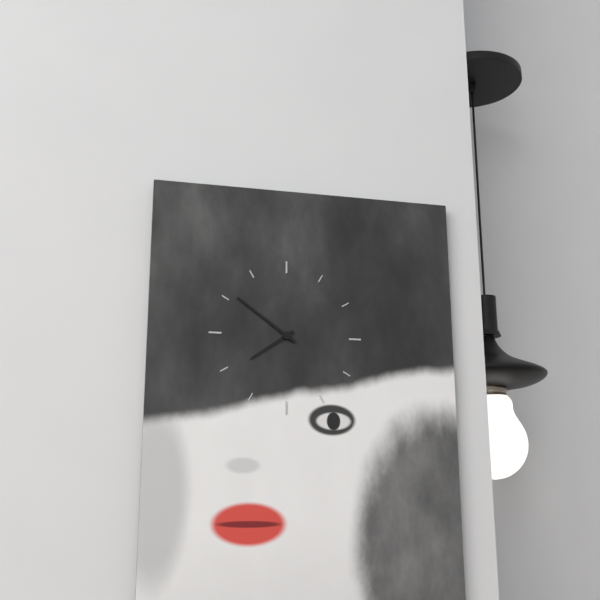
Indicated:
7.51
